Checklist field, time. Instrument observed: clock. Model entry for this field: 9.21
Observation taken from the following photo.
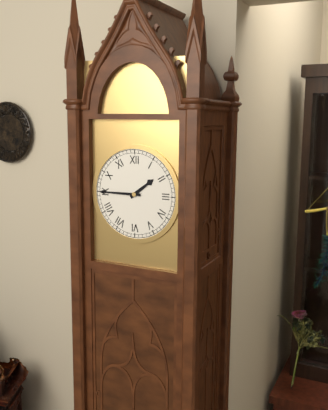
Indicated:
1.45
